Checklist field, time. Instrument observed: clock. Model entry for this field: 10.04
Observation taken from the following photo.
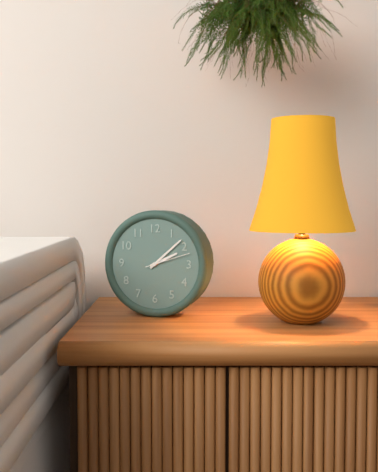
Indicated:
2.08
